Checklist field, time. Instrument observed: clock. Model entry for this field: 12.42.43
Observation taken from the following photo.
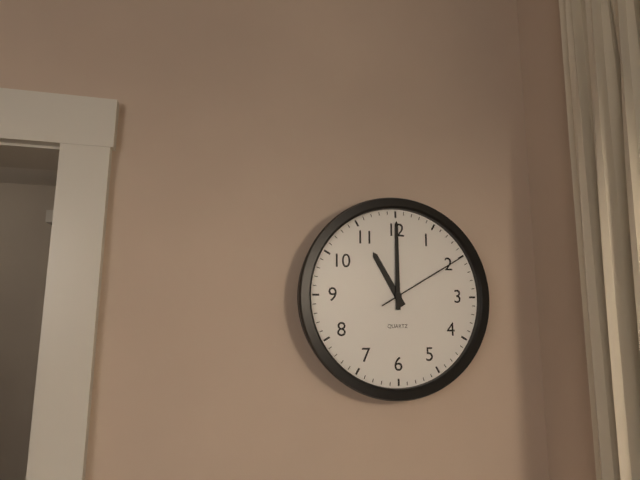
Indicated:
11.00.10
